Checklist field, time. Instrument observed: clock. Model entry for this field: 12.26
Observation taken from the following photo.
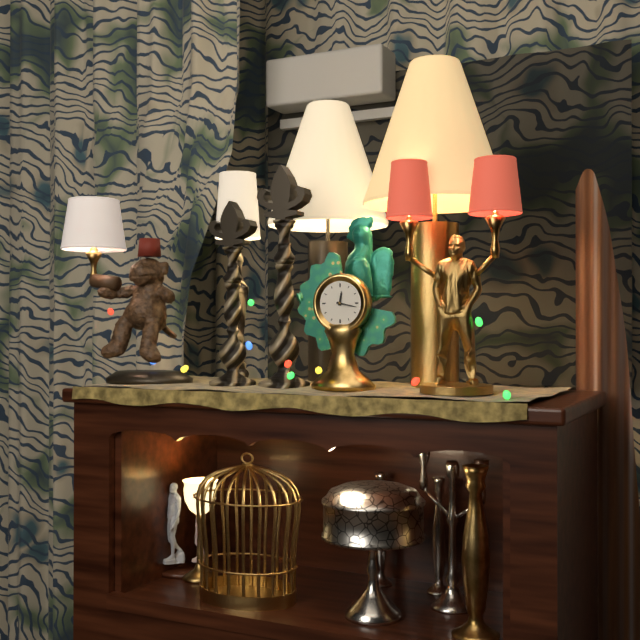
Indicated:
12.17
